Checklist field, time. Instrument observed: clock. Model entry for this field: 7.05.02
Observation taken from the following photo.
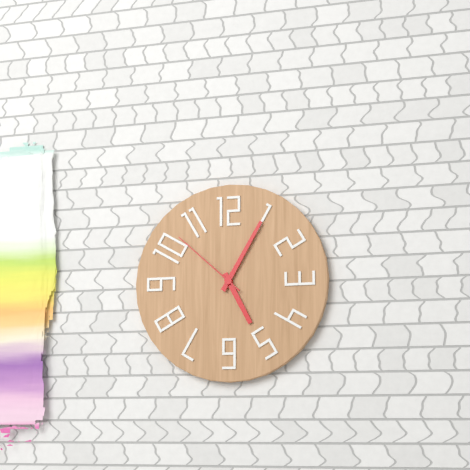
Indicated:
5.05.52
